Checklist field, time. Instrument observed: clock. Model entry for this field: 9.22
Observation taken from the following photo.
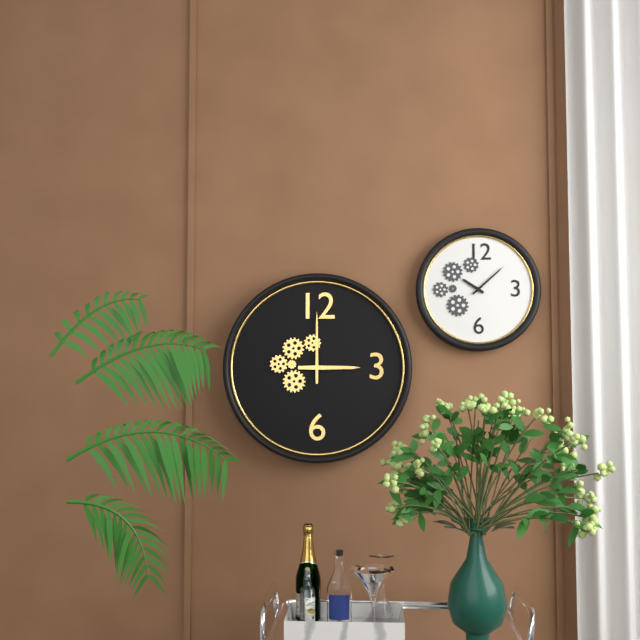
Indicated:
3.00
